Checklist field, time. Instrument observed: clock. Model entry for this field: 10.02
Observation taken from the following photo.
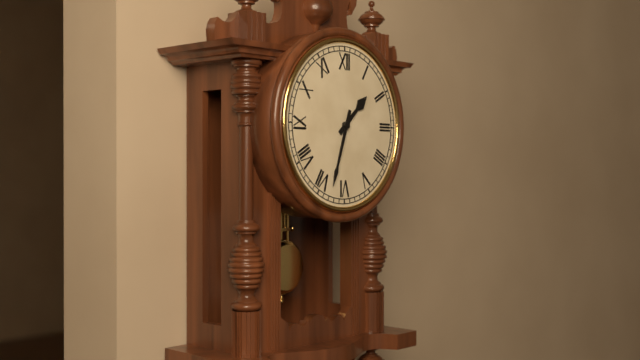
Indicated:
1.33
